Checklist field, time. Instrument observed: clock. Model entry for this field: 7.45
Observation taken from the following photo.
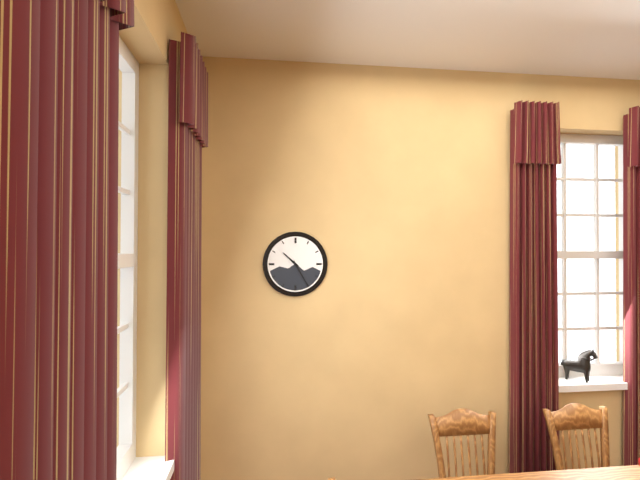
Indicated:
10.25
